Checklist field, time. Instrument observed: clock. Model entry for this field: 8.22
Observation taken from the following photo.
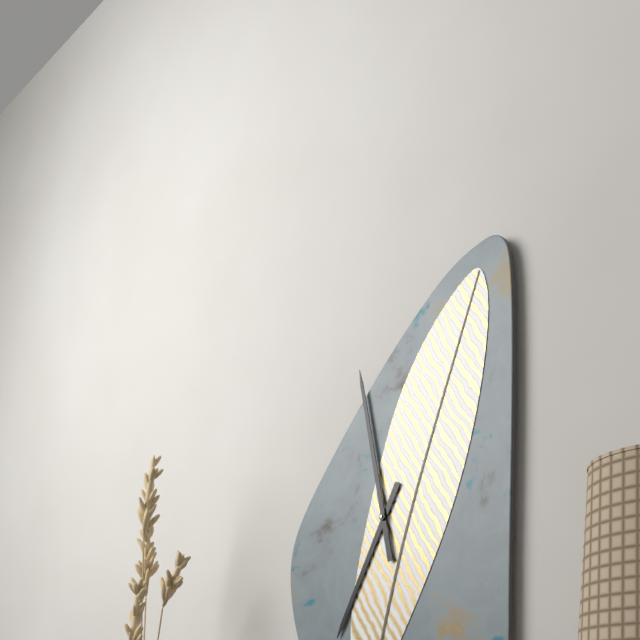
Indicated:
6.58
